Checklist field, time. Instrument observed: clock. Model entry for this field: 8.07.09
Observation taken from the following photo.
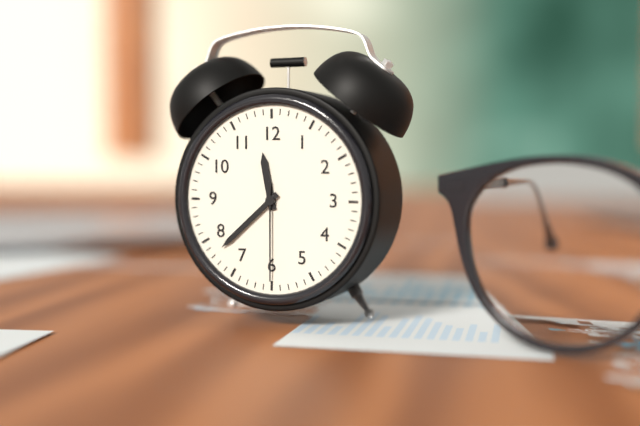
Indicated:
11.38.30
